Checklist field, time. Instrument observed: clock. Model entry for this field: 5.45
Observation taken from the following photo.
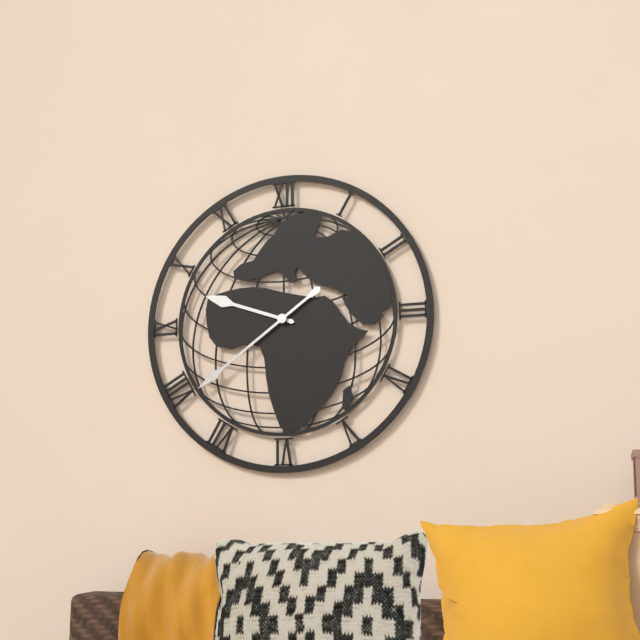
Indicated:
9.39
